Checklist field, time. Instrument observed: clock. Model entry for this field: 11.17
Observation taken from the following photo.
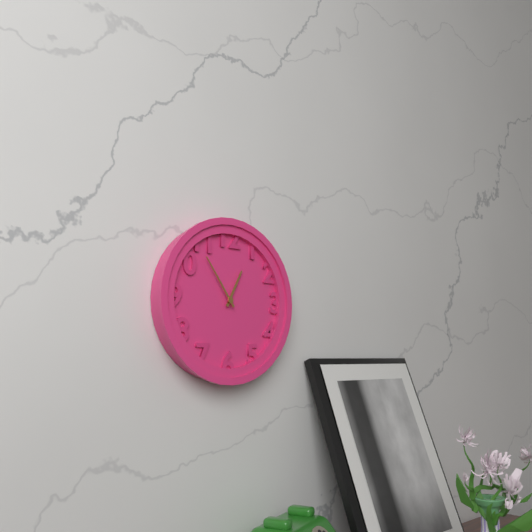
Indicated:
12.54
